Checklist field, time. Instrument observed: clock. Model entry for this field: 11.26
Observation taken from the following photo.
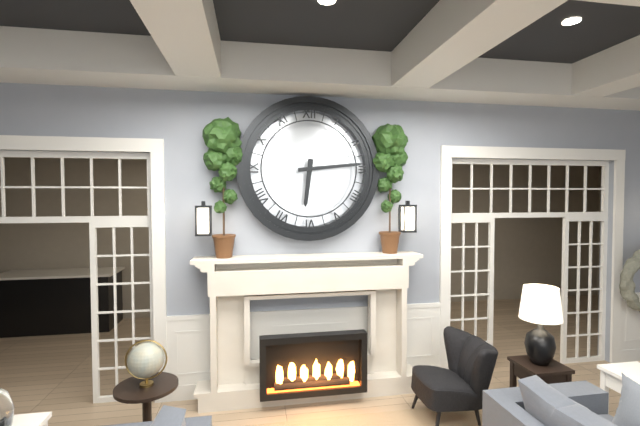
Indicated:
6.14
